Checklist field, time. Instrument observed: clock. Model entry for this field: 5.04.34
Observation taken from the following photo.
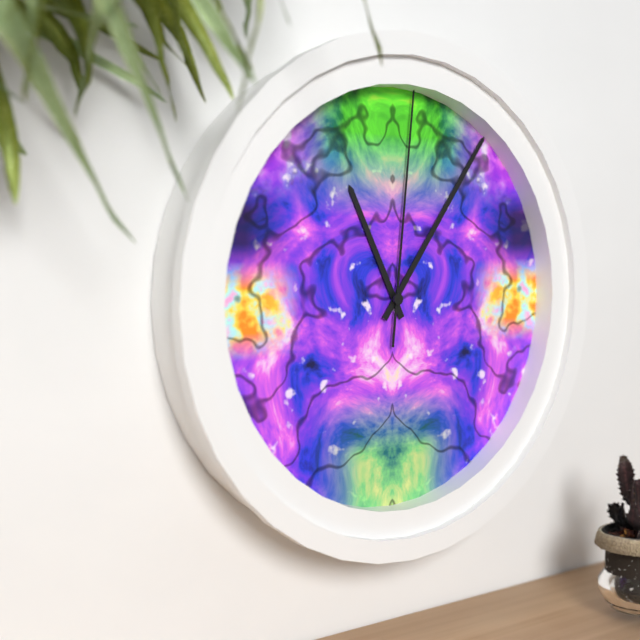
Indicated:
11.06.01
